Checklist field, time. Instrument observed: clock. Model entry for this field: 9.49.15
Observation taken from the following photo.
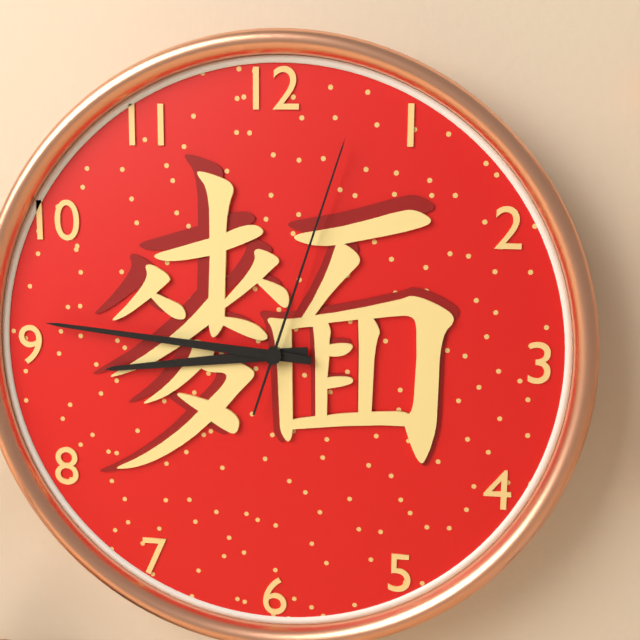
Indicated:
8.46.03
